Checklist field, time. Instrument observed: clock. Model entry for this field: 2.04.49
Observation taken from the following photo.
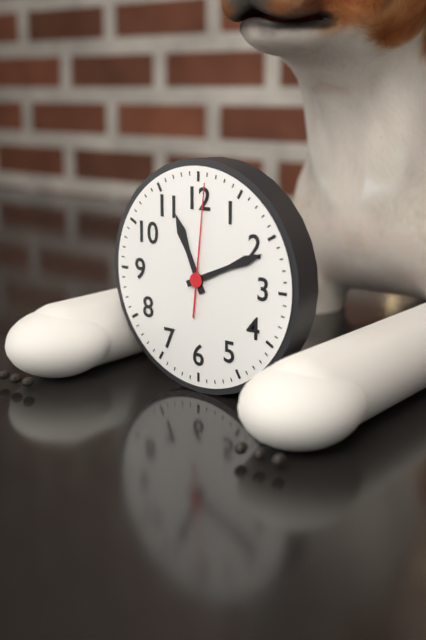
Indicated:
11.11.01
